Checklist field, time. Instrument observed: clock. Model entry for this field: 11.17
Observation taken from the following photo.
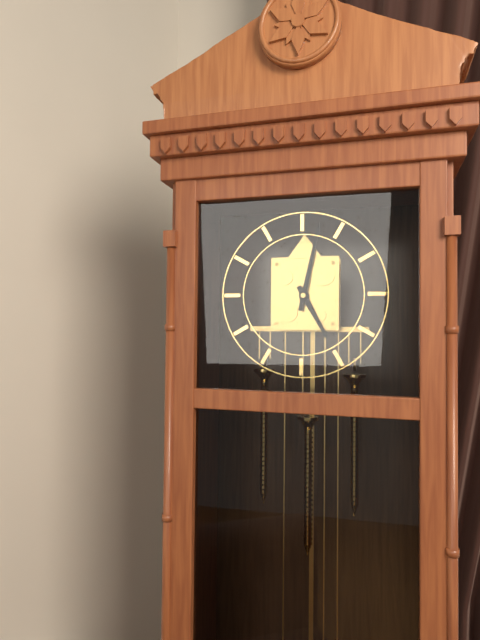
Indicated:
5.02
